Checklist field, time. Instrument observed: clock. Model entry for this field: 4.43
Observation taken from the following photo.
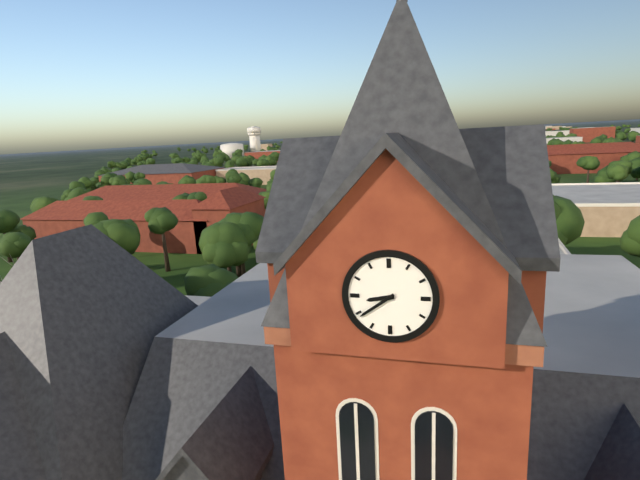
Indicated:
8.39
